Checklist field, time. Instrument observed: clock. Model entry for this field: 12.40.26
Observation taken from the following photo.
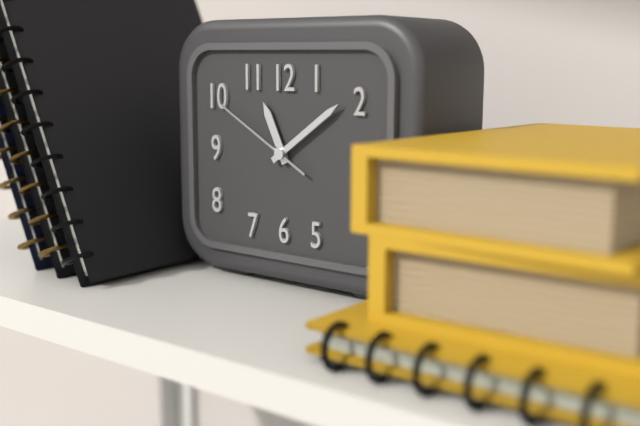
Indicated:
11.09.50
